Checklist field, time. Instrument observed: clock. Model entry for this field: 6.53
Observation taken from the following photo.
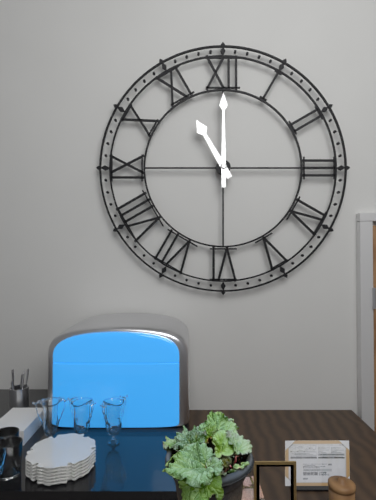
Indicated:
11.00
